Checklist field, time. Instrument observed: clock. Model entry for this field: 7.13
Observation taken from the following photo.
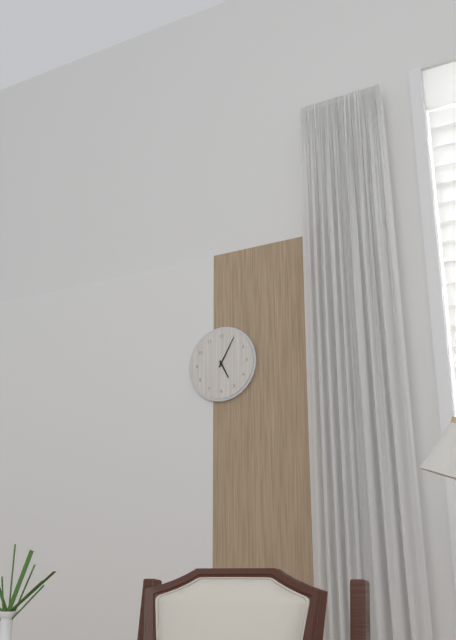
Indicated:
5.05
